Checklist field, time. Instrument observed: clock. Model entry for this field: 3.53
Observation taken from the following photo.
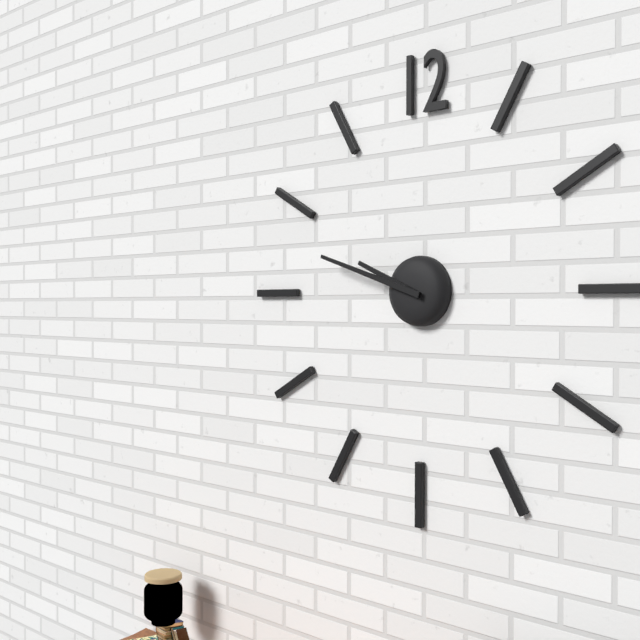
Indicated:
9.48
